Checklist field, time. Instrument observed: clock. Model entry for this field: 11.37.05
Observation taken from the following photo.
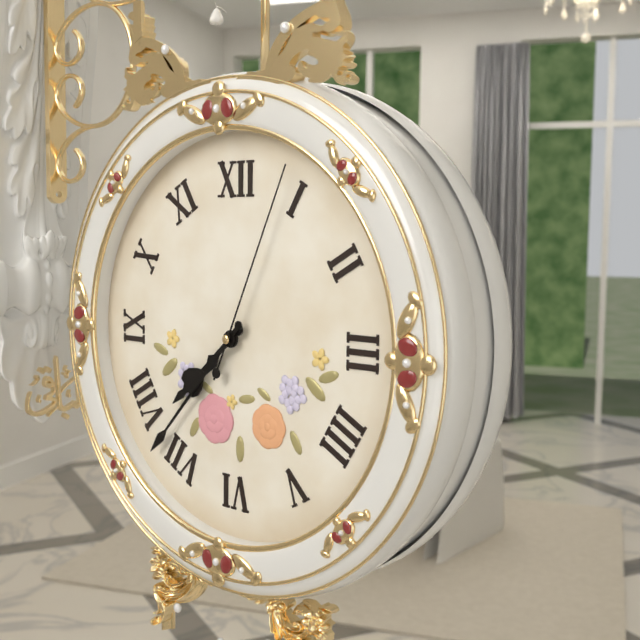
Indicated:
7.37.04
